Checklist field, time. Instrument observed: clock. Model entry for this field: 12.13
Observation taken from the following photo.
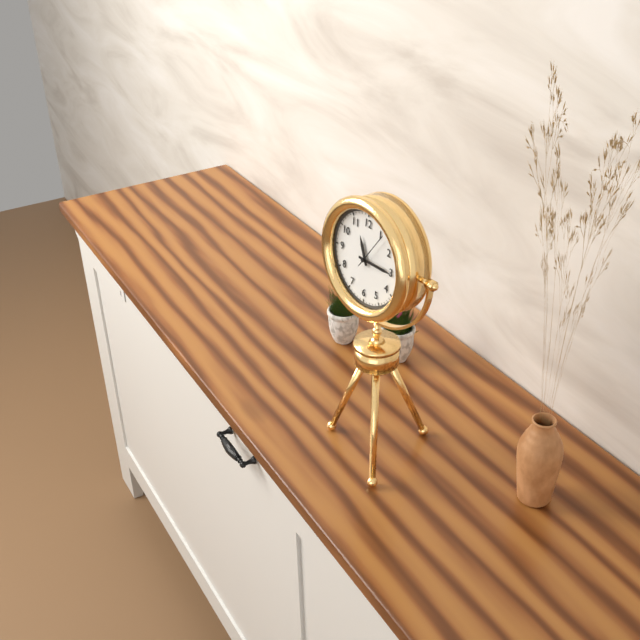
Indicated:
11.15
